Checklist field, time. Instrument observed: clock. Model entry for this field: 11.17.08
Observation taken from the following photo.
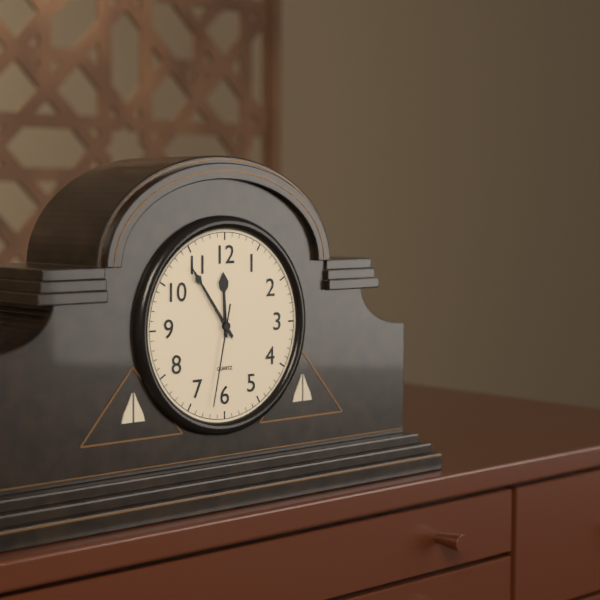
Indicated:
11.54.32
